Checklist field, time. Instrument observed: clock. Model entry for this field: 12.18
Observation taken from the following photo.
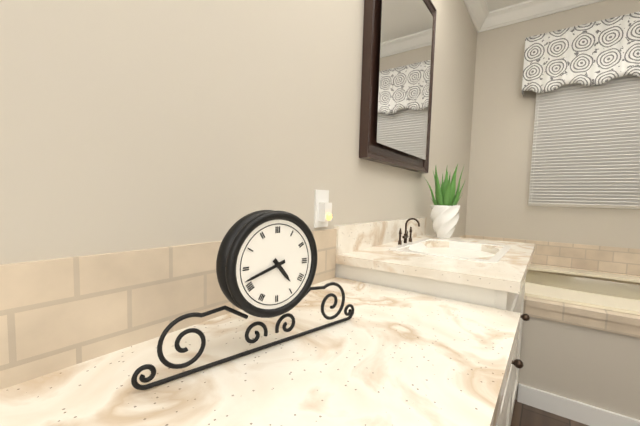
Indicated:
4.42
